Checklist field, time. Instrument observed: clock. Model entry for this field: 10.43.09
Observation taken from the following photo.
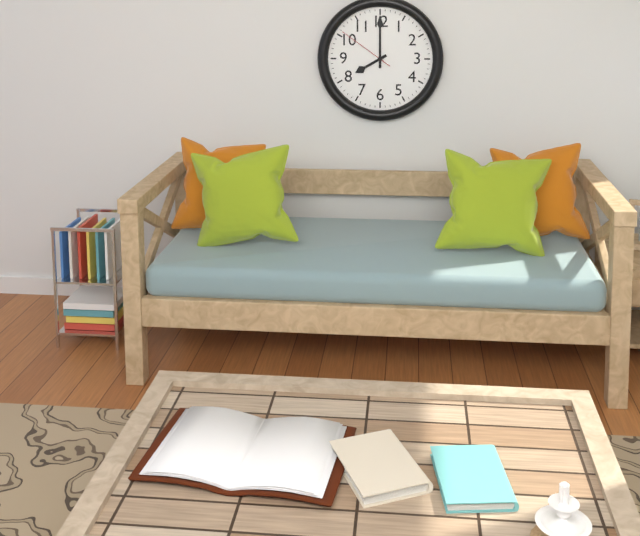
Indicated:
8.00.51
